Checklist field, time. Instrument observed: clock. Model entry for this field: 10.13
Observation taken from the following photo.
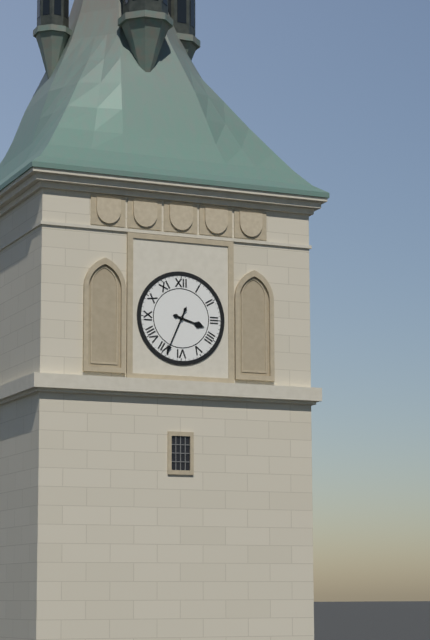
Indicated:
3.34
